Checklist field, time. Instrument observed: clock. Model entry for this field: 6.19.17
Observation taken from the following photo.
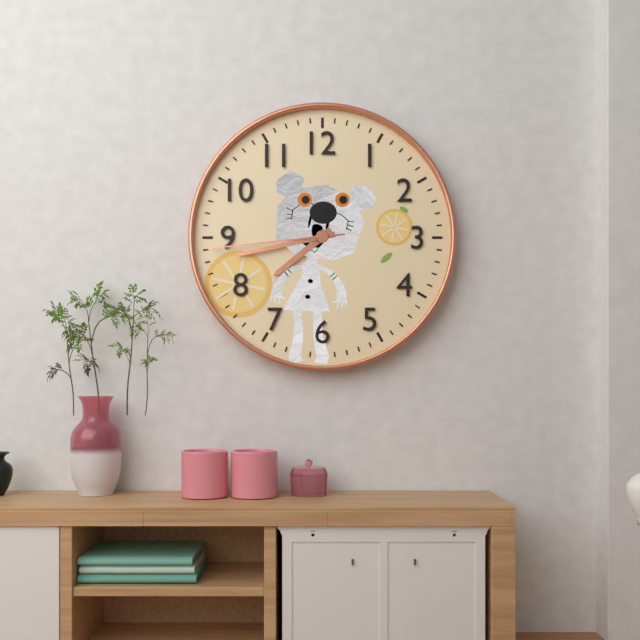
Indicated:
7.43.44
